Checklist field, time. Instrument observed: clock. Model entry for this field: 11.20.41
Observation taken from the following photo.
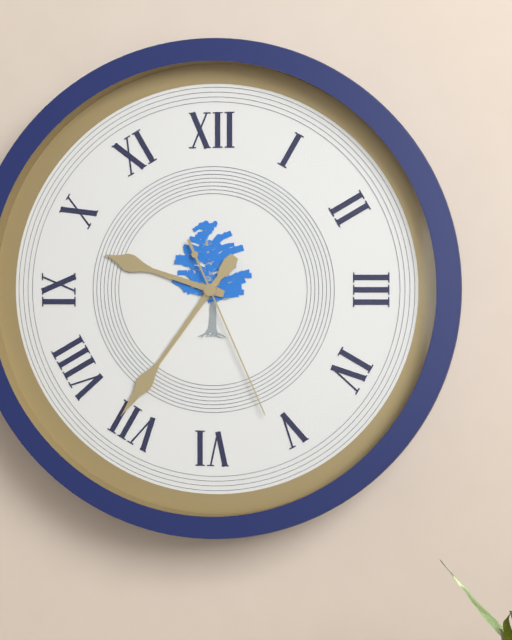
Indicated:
9.36.26
